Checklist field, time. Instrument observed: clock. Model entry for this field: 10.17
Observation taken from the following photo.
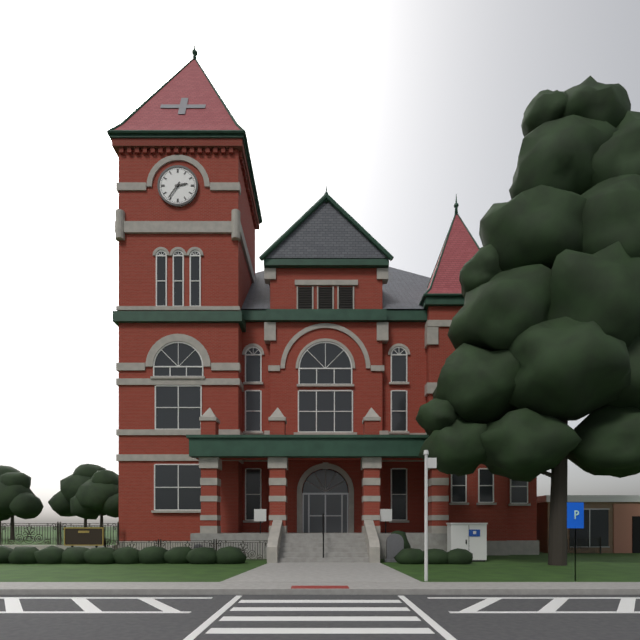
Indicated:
2.36
